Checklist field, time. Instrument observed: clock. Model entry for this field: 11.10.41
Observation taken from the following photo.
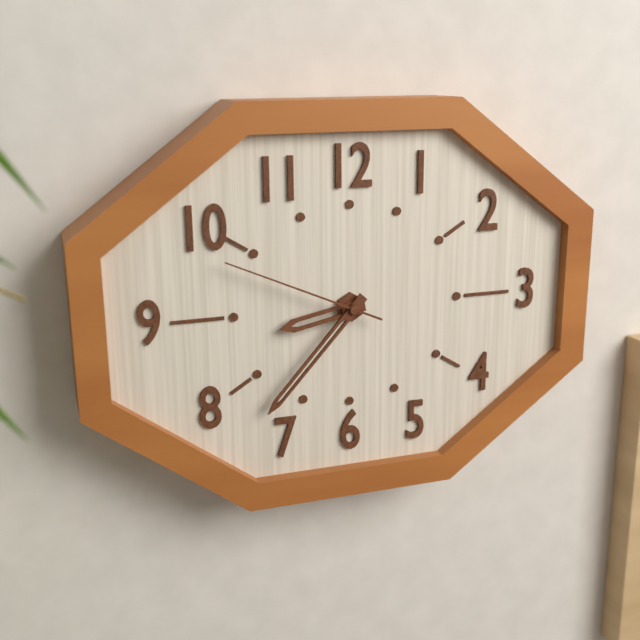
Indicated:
8.37.49
